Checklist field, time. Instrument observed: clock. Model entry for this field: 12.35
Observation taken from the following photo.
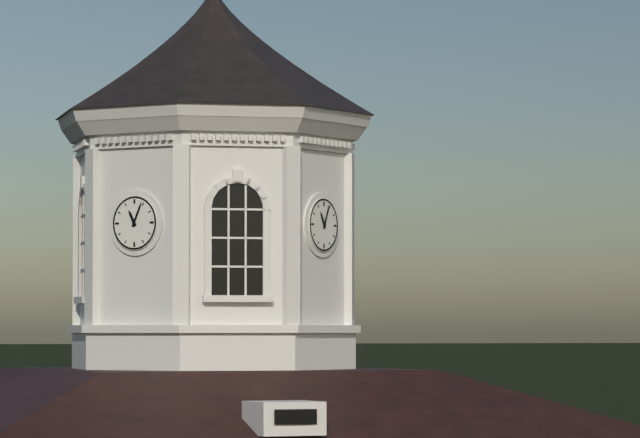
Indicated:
11.04
